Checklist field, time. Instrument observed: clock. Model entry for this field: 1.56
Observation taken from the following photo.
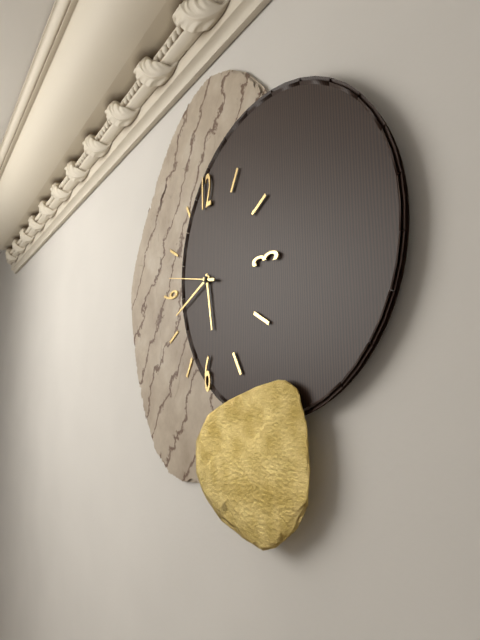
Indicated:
5.41
